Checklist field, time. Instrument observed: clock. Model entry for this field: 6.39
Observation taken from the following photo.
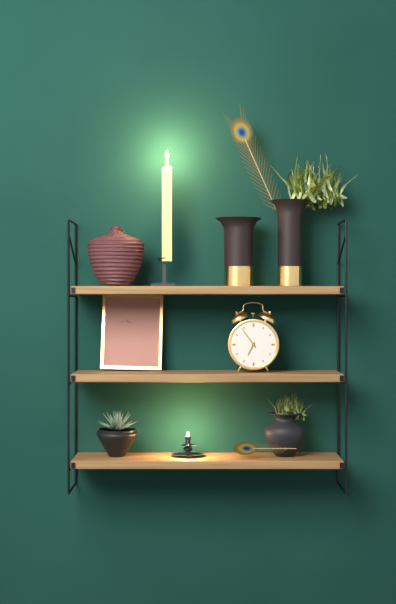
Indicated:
6.54
